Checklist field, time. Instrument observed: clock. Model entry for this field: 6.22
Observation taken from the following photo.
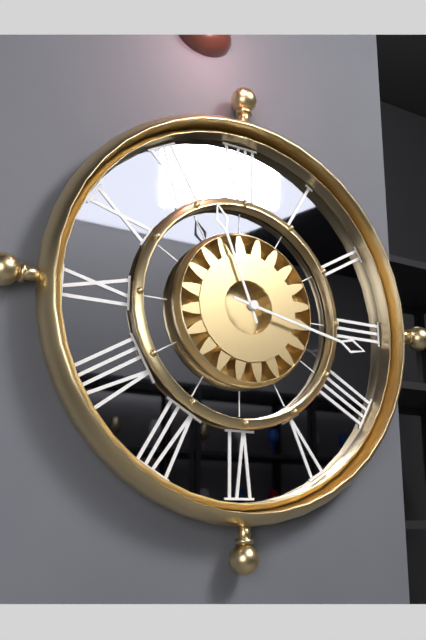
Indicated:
11.17
